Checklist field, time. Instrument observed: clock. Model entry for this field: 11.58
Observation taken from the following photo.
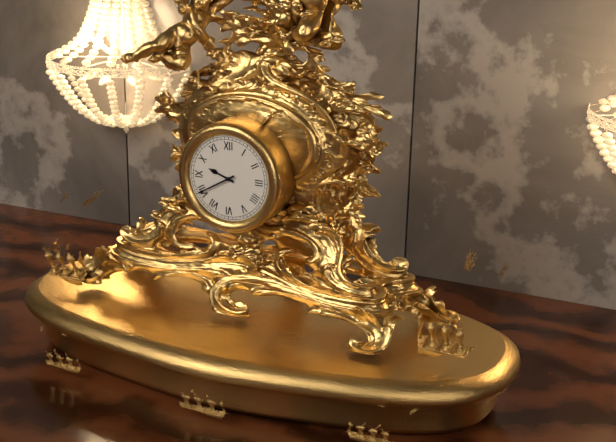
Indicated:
9.40
